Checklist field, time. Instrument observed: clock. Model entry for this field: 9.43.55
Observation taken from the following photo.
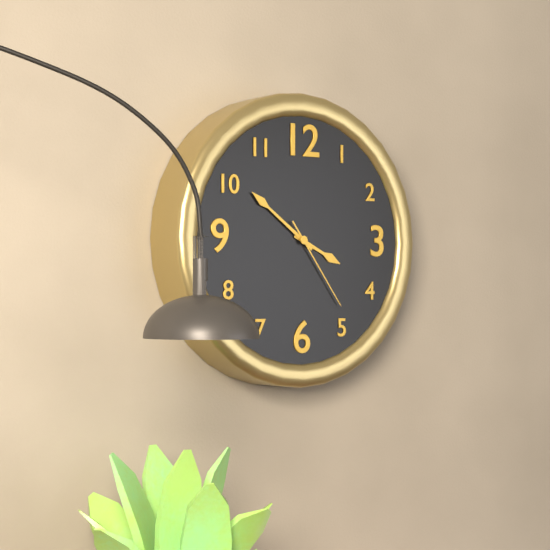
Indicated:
3.51.24
